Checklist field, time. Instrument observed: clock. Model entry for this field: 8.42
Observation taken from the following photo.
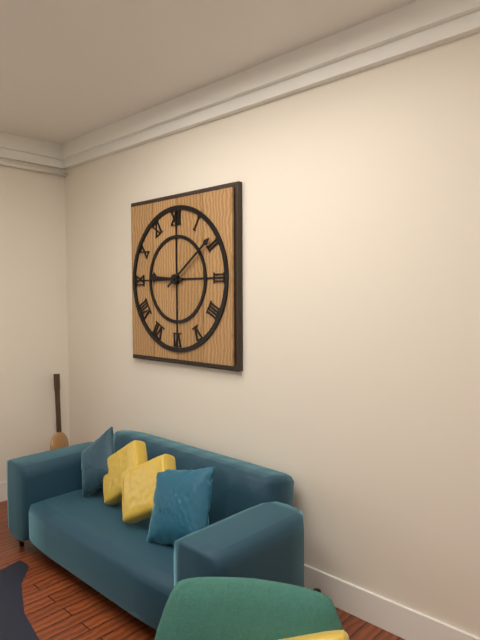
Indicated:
9.09
